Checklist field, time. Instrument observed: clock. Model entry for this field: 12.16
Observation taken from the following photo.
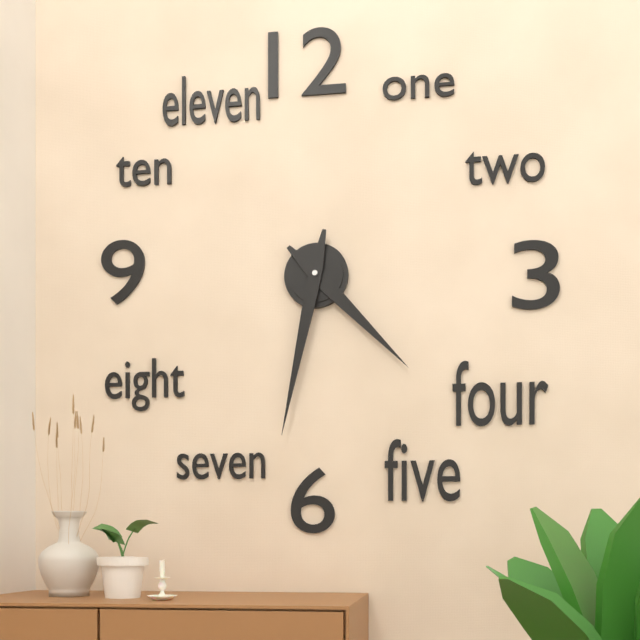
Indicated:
4.32
